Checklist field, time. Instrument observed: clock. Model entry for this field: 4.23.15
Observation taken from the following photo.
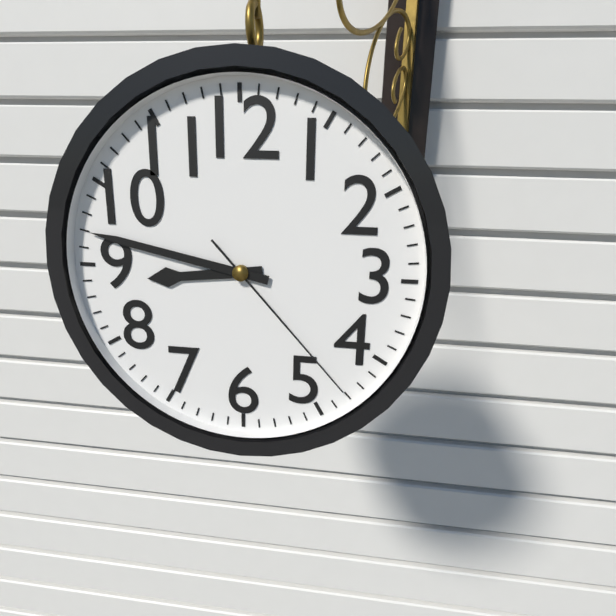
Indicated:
8.47.23
